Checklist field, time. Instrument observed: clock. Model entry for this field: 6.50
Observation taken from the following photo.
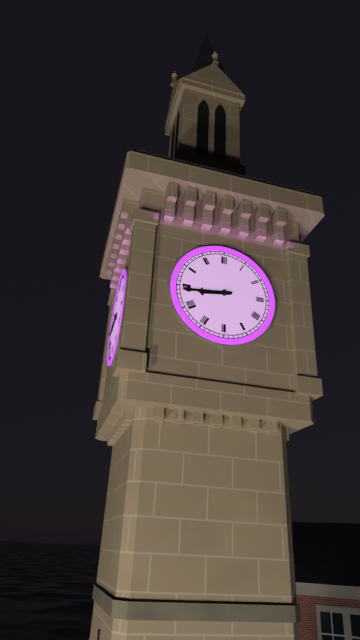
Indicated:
8.44
